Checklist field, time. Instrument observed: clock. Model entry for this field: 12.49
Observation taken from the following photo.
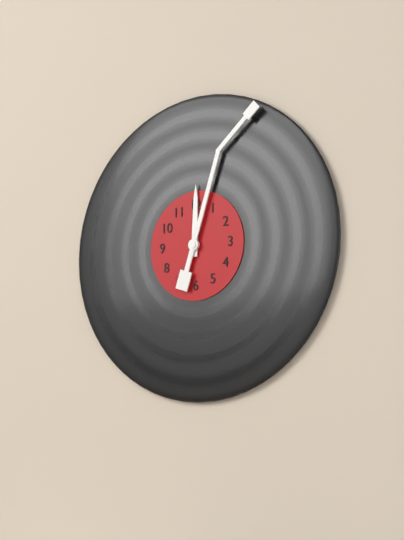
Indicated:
12.03
